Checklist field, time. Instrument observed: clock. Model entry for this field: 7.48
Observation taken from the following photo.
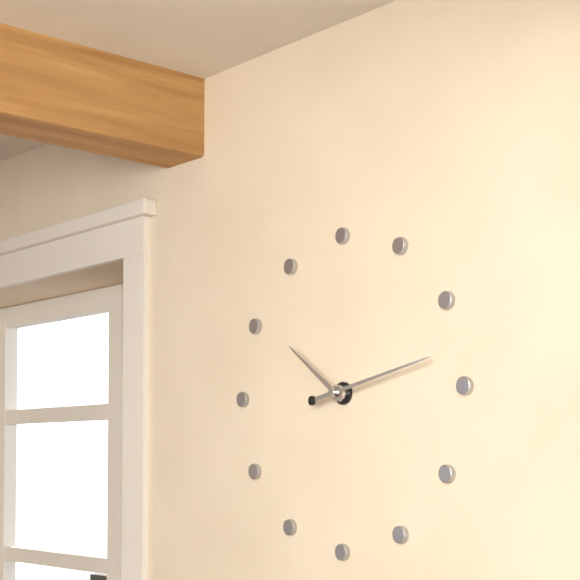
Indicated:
10.13
